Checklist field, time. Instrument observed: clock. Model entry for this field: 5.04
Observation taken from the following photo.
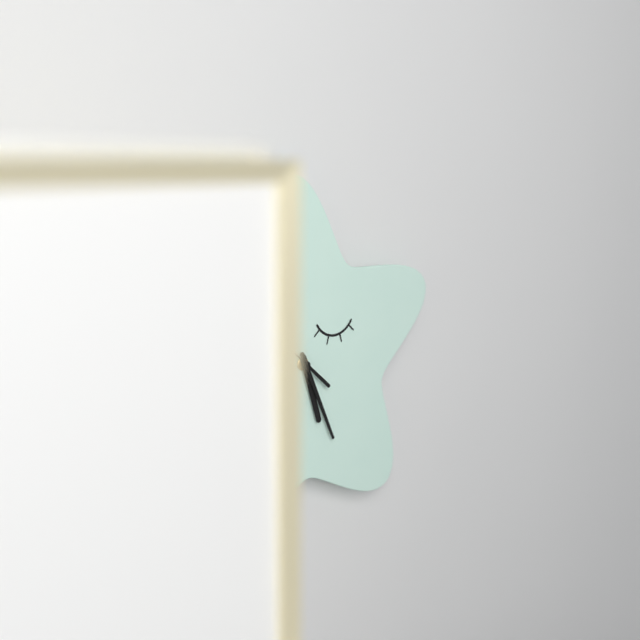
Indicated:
5.26
